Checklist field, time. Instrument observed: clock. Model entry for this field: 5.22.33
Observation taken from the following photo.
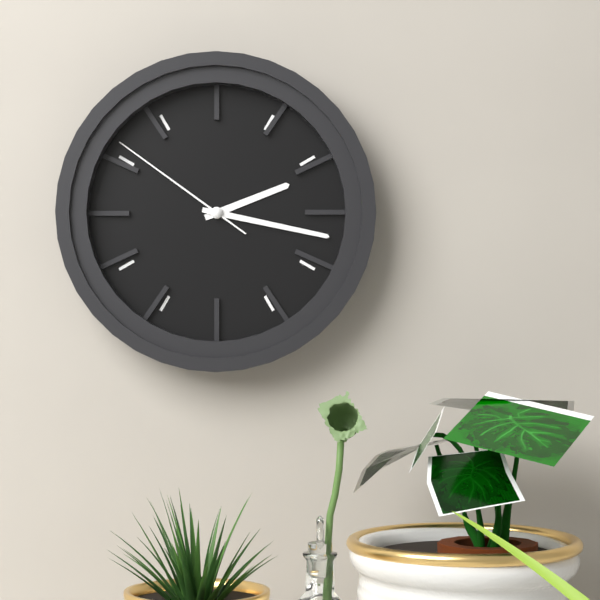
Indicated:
2.17.51
